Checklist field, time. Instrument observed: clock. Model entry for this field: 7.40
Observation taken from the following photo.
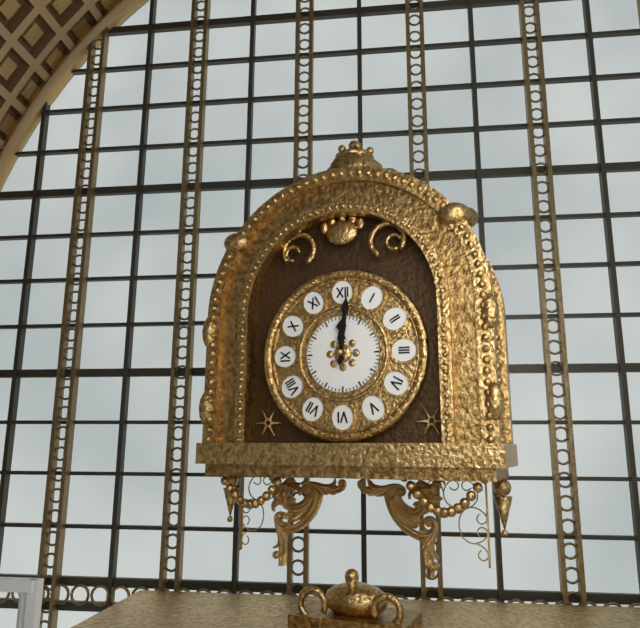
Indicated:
12.01
